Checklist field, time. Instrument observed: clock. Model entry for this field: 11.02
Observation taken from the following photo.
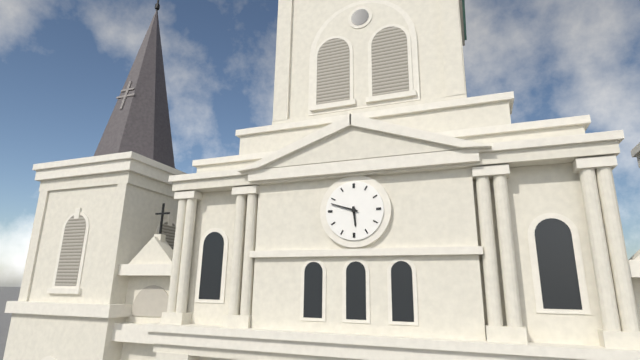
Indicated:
5.48
